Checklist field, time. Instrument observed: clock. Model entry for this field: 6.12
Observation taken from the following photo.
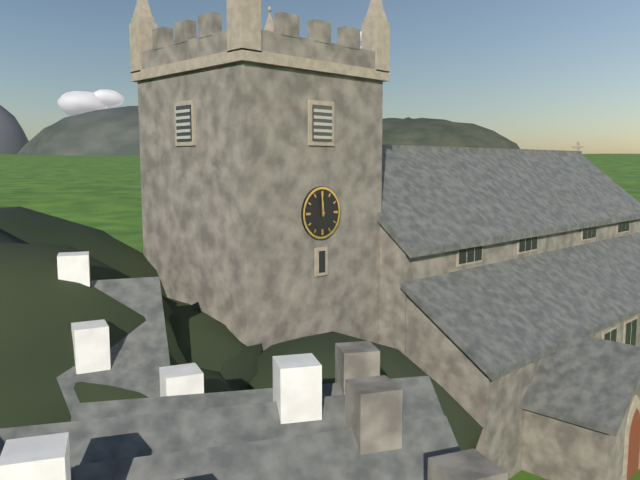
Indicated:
11.59
